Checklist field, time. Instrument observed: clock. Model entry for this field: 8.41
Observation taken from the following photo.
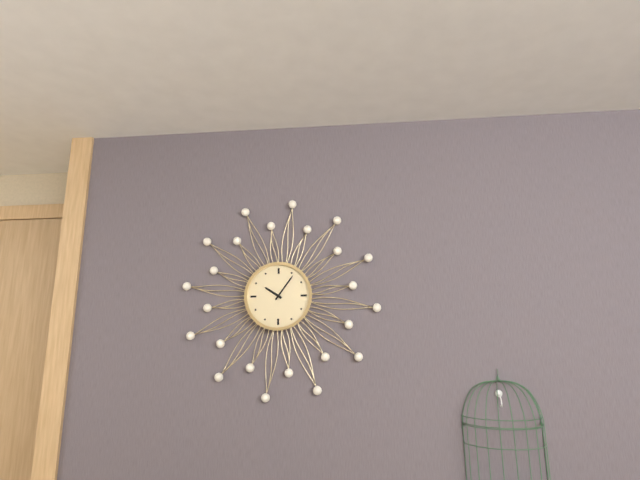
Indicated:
10.06
